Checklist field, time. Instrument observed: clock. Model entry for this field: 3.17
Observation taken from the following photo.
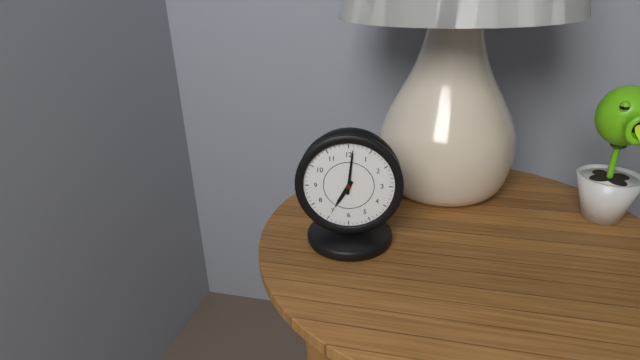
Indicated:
7.01
